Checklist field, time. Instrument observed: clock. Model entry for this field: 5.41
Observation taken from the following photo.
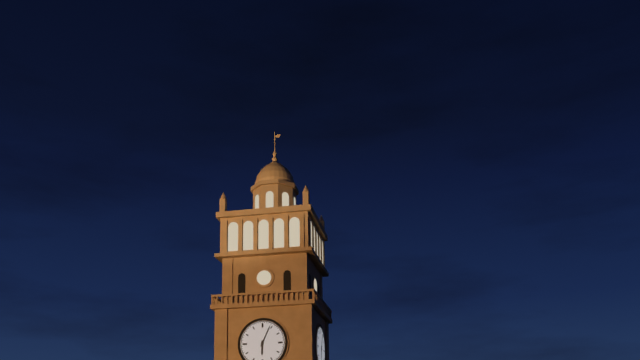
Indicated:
6.04
